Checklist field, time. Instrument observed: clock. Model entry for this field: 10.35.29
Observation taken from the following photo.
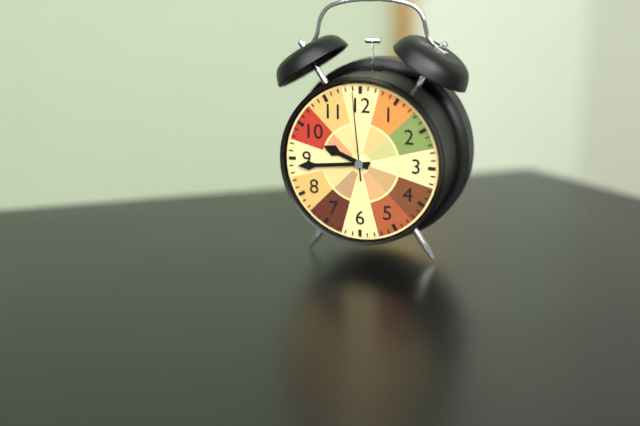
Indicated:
9.44.59
